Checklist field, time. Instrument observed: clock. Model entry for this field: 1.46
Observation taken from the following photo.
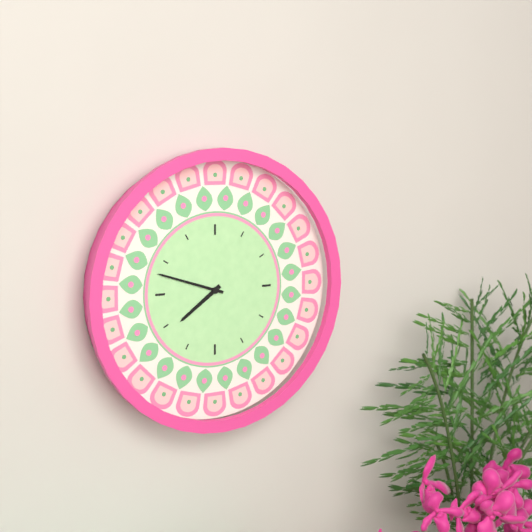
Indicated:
7.48
